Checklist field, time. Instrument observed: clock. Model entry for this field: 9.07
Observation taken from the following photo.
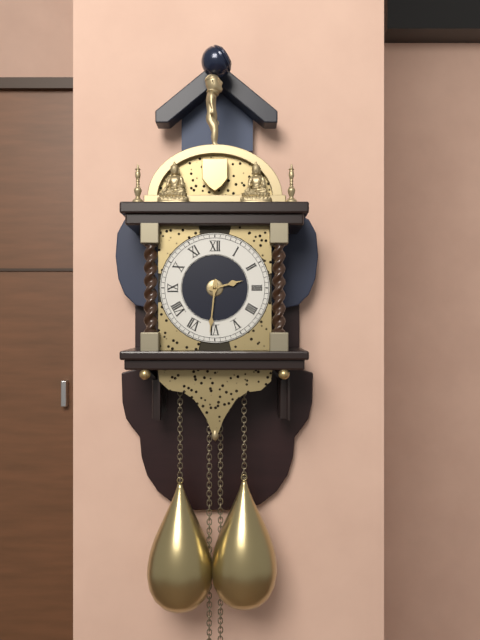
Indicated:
2.31
